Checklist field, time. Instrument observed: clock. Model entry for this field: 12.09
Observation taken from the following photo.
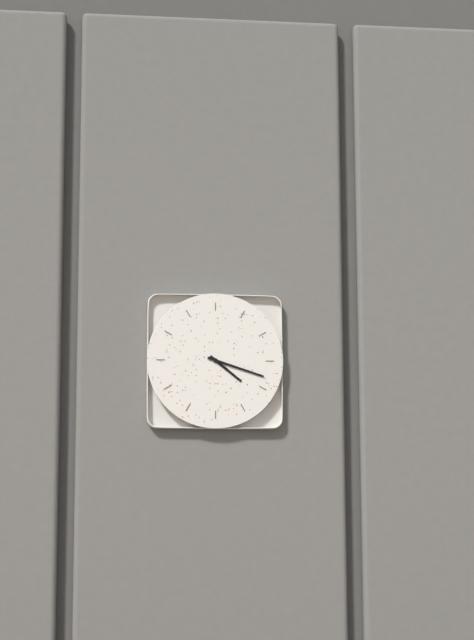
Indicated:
4.18
